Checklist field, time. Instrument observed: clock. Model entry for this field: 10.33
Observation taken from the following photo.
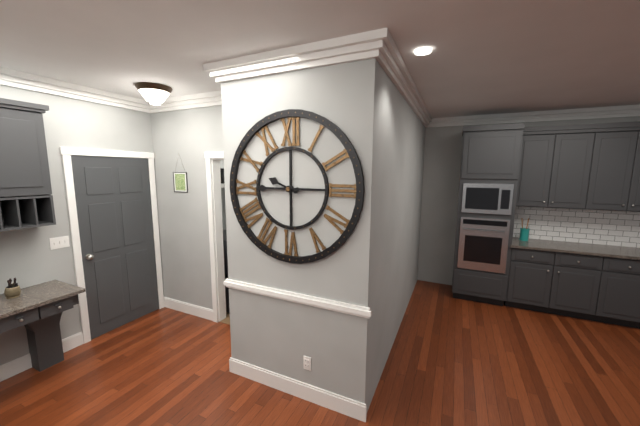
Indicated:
9.45
